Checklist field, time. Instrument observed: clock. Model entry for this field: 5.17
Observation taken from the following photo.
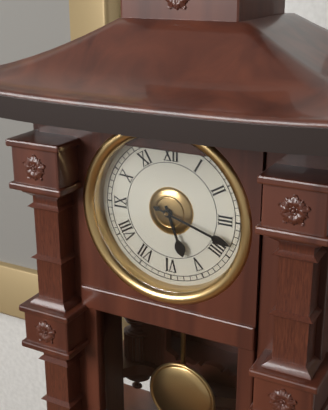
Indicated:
5.18
